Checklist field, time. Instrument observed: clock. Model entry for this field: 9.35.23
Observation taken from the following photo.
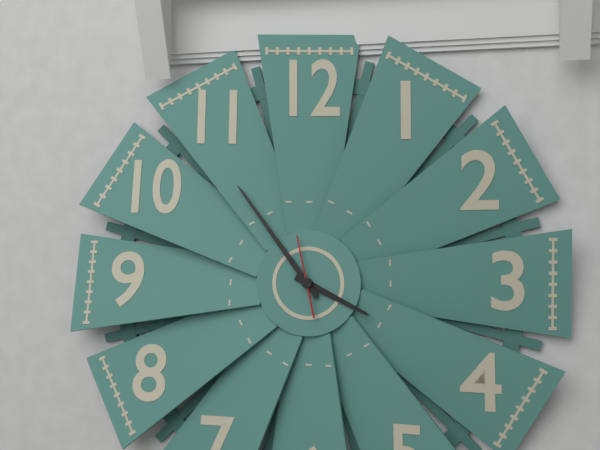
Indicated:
3.54.58
